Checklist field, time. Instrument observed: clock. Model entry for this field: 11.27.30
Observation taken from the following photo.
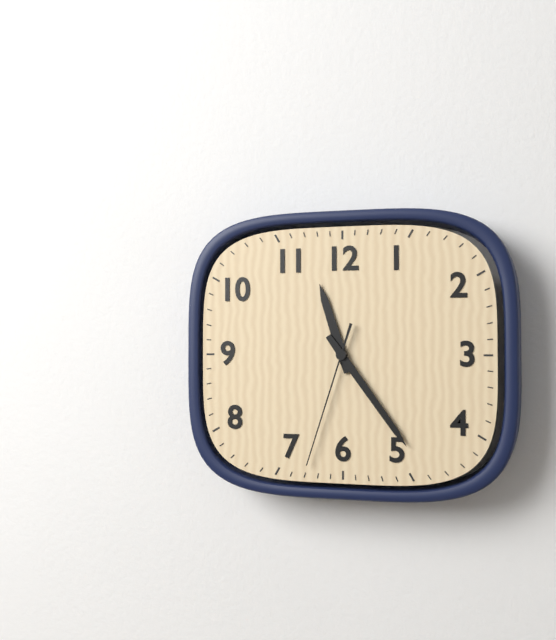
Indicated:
11.24.33
